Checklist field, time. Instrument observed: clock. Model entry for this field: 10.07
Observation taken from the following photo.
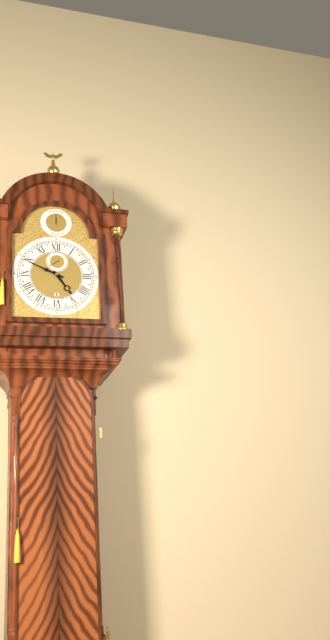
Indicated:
4.49
